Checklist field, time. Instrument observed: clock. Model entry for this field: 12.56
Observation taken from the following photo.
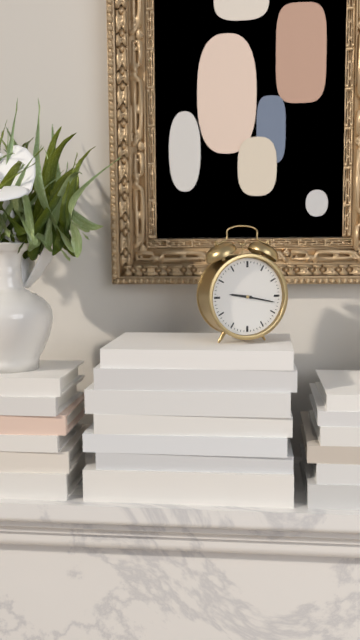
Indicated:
9.17
